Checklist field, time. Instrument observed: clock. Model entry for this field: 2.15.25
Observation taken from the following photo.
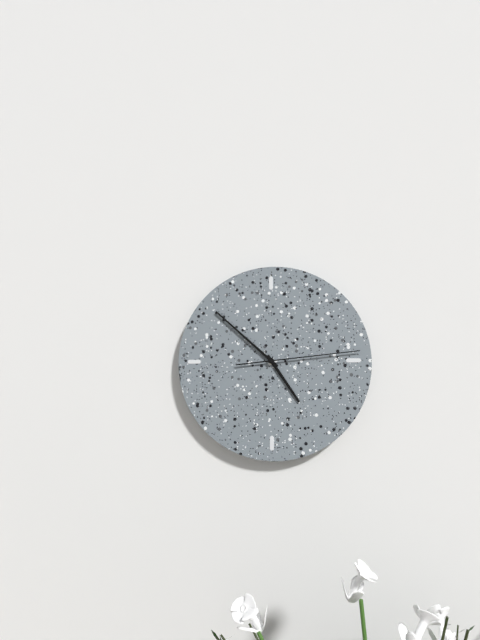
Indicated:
4.52.14
